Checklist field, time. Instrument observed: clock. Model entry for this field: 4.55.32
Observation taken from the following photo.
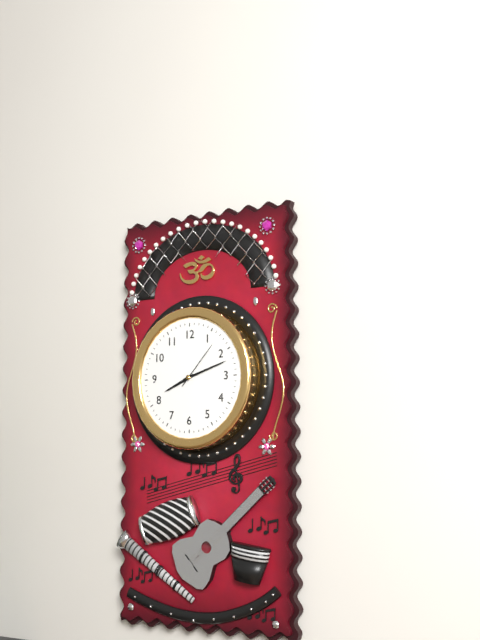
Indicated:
8.12.07
